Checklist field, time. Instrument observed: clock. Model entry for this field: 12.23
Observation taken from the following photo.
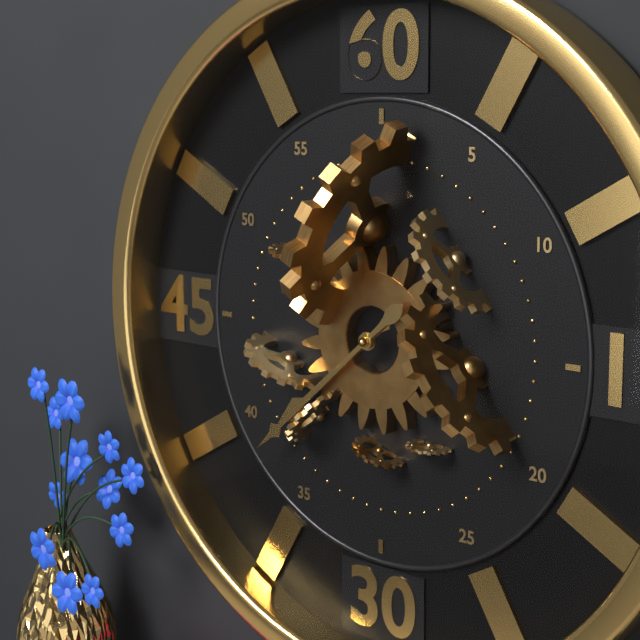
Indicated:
7.38
